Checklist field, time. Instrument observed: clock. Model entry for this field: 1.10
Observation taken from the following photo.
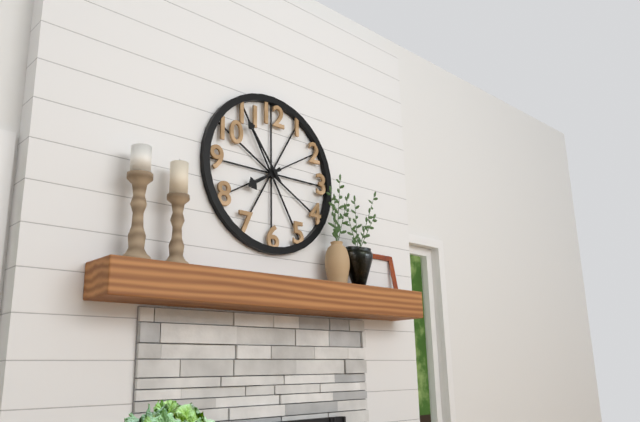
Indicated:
7.54
